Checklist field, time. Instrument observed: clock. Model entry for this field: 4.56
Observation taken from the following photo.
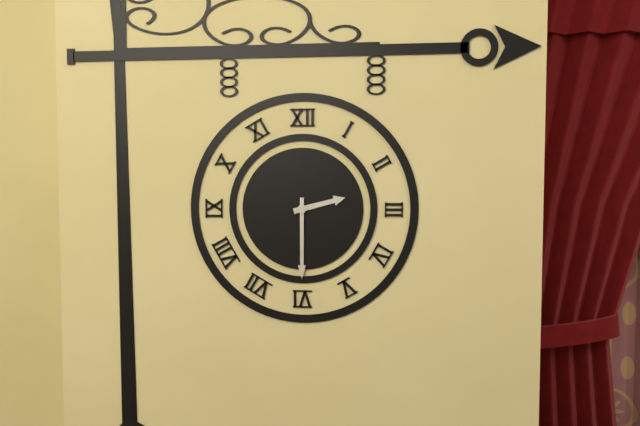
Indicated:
2.30
